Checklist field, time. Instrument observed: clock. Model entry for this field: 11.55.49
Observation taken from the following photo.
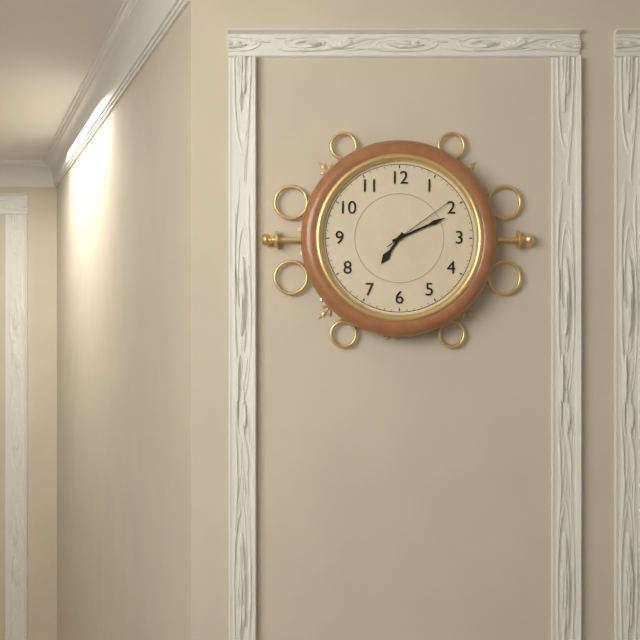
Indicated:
7.11.09
